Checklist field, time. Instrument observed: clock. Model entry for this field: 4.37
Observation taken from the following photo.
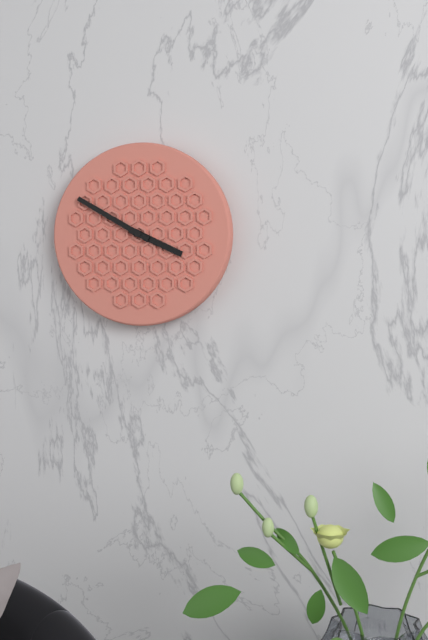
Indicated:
3.50
